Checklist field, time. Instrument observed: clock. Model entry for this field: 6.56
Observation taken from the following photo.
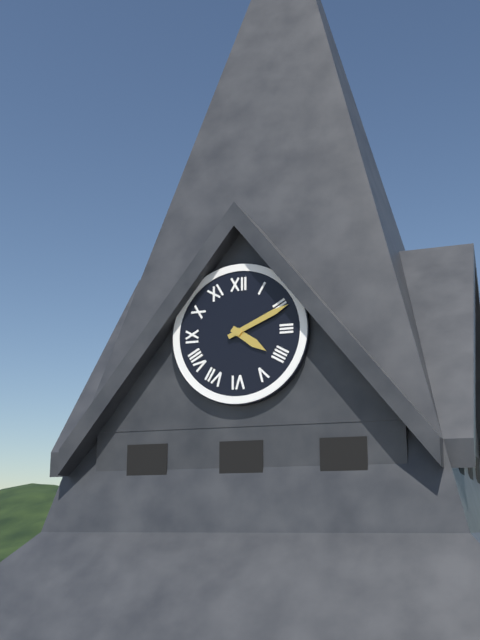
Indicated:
4.11
